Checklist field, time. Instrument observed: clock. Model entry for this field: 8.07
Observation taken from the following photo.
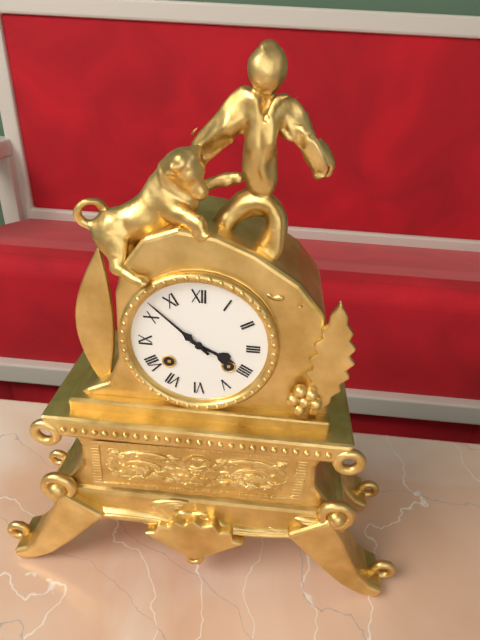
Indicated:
3.52
